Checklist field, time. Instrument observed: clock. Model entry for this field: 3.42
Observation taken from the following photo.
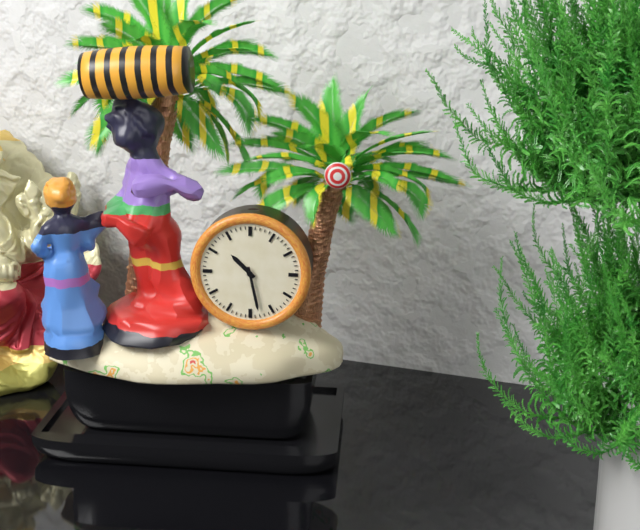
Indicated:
10.28
